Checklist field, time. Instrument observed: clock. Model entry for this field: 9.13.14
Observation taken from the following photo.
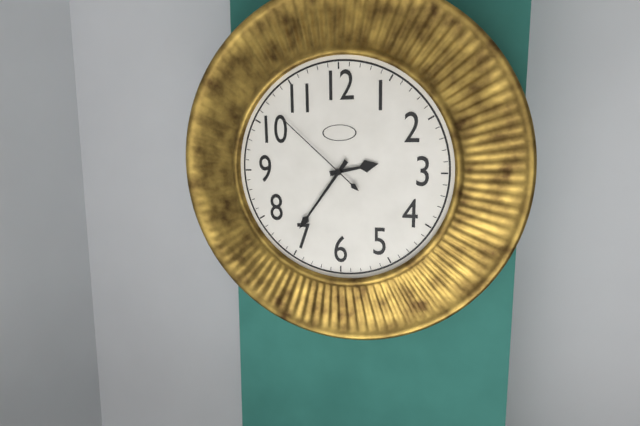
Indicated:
2.36.52
